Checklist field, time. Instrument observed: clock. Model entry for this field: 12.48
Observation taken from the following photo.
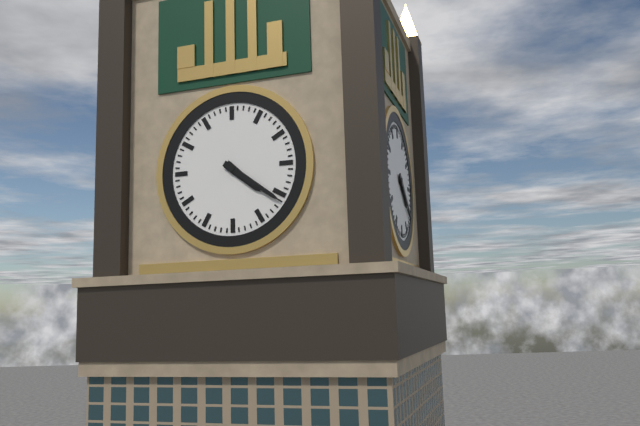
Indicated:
4.21
